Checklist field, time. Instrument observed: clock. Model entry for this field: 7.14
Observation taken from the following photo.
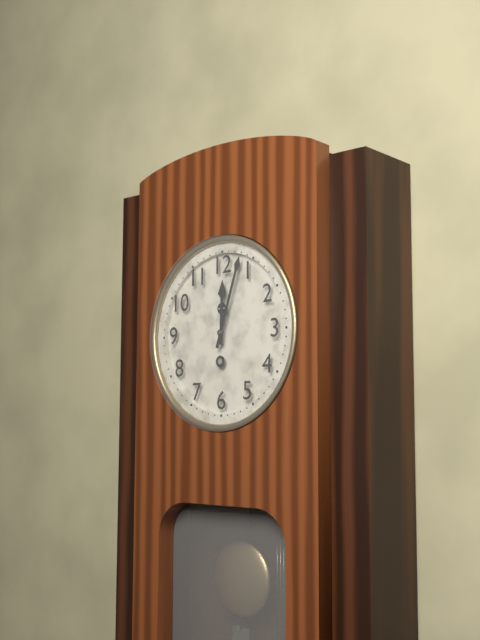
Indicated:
12.03
